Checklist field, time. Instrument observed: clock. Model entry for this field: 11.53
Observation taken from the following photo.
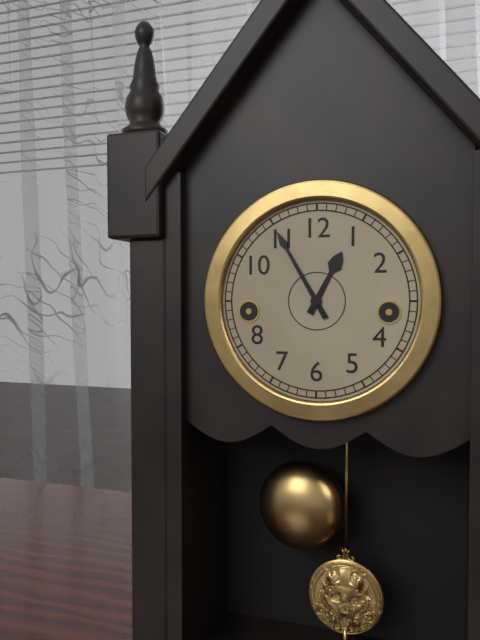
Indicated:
12.55
